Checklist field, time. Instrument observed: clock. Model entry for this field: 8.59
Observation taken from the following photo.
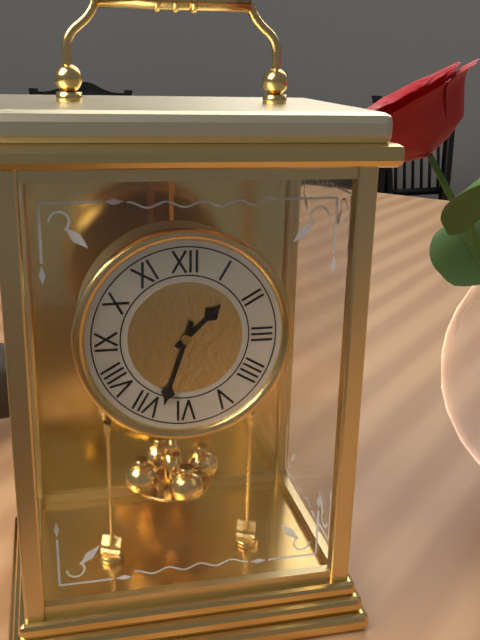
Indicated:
1.33
